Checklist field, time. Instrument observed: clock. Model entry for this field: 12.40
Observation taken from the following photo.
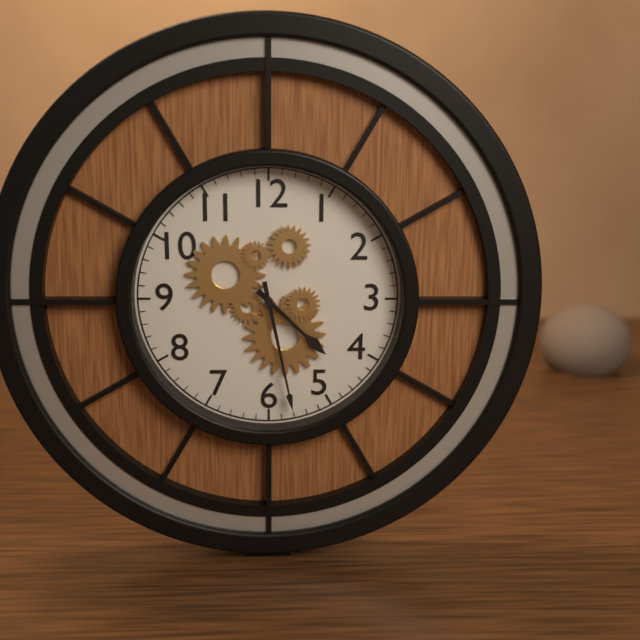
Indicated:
4.28
